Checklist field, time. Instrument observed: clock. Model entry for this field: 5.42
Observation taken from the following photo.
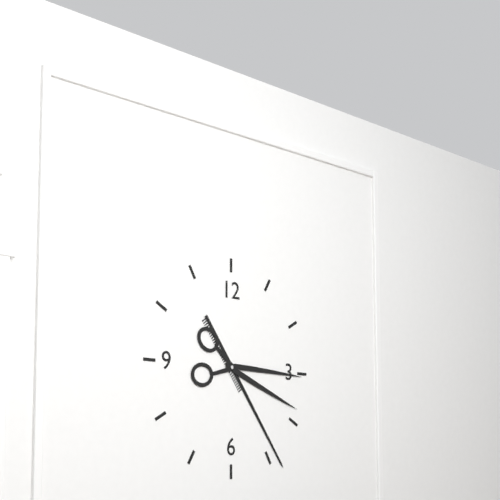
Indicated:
3.24
